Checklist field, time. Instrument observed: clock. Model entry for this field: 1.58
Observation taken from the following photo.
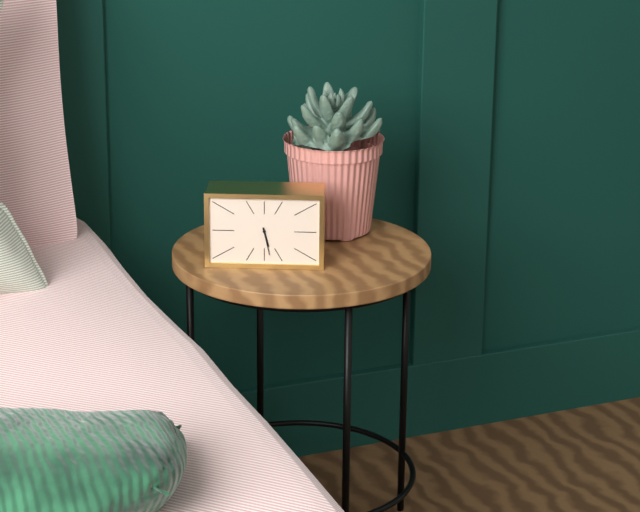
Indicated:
5.28
